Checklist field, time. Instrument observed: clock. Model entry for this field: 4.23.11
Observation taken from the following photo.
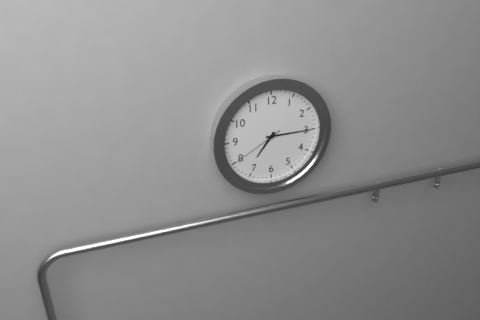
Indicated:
7.15.40
